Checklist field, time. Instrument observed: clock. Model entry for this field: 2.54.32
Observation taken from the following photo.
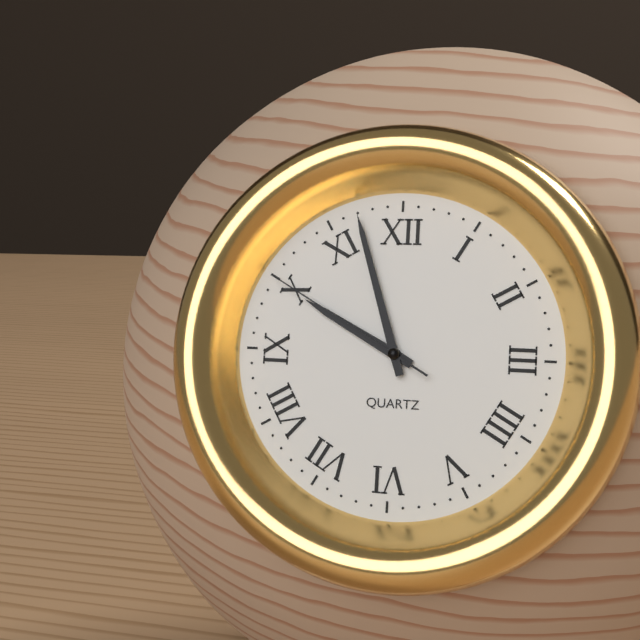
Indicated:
9.57.50
